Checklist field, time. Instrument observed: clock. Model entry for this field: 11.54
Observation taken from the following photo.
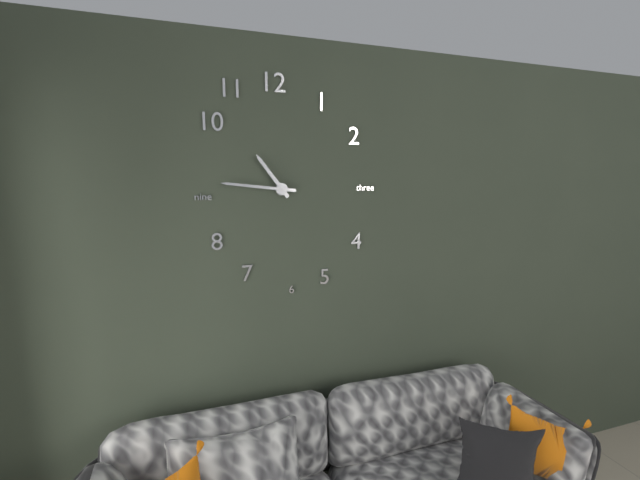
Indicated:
10.46
